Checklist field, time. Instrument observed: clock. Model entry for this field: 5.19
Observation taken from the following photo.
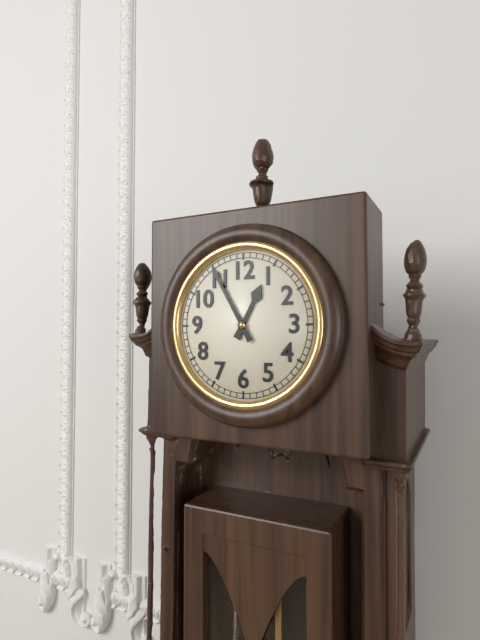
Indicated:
12.55
